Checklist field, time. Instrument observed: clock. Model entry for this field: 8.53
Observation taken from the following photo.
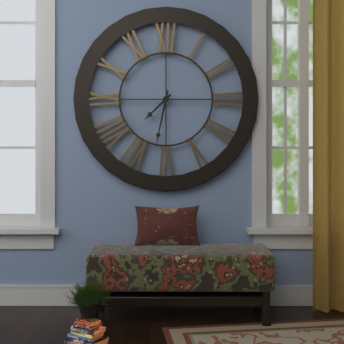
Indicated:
7.32
